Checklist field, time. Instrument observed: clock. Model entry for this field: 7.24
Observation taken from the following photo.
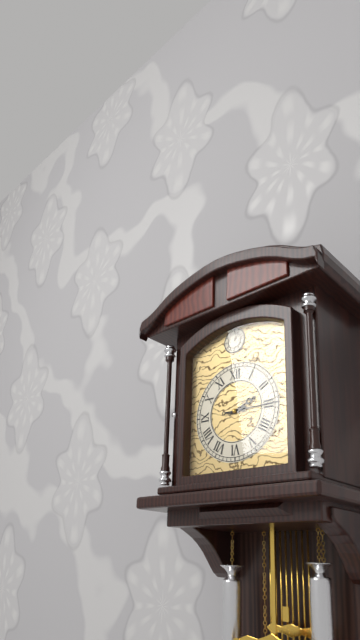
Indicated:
2.15
